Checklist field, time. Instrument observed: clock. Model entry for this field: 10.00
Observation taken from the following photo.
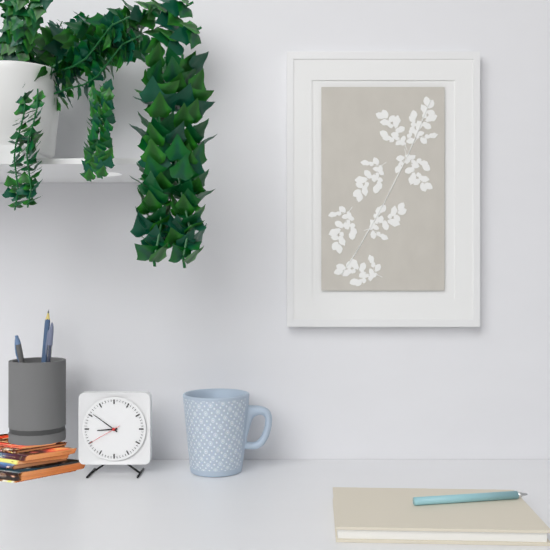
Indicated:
8.51
